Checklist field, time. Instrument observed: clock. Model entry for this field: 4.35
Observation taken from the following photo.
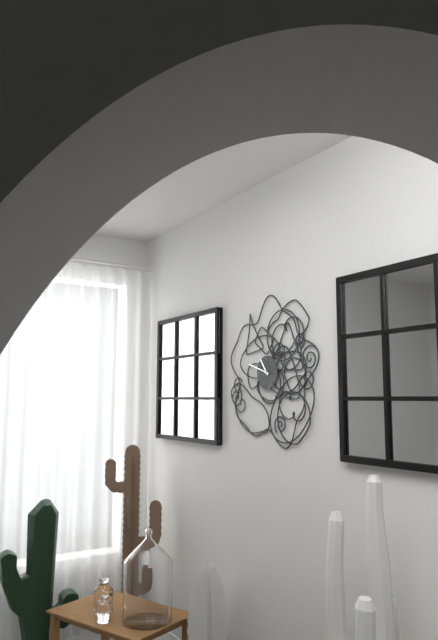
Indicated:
10.48
